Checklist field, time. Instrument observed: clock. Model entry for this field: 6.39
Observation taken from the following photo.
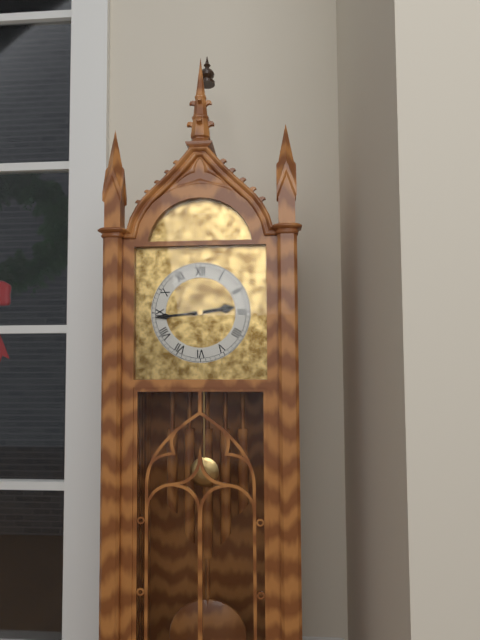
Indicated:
2.44
